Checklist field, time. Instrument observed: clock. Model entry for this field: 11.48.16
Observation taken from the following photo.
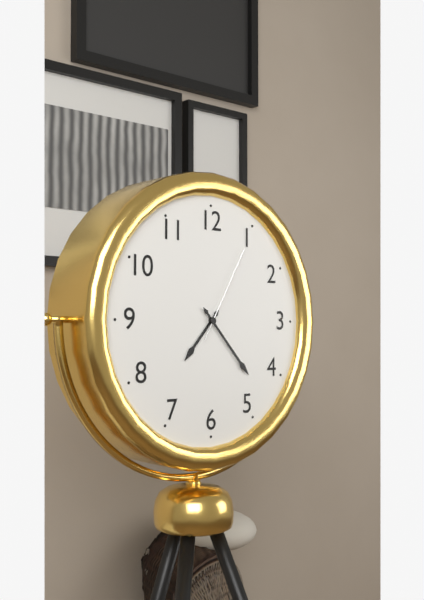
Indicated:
7.23.05
